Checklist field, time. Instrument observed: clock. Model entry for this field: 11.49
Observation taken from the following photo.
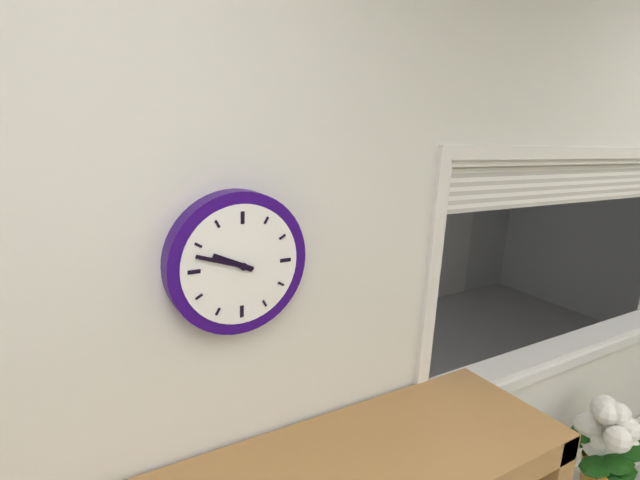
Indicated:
9.48
